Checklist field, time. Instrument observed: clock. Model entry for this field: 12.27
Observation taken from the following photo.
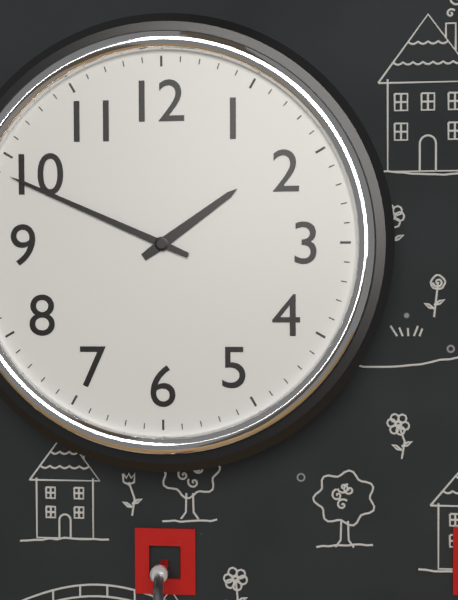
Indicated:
1.49
